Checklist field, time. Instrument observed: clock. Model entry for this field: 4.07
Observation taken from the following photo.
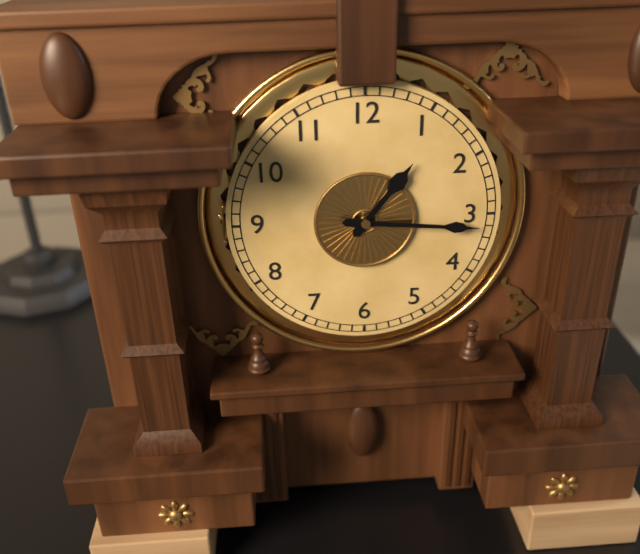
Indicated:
1.16
